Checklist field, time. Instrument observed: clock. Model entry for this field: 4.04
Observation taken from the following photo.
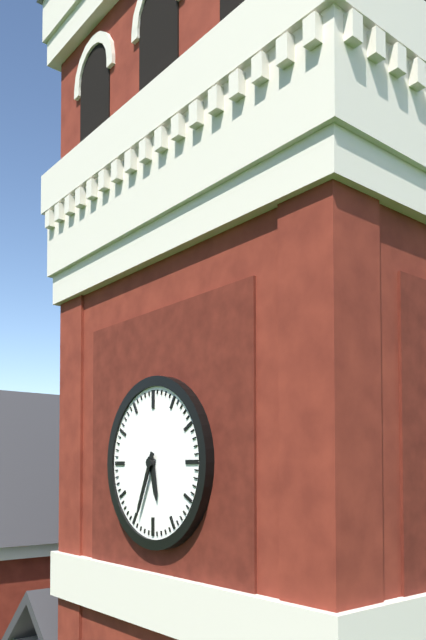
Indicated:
5.34
